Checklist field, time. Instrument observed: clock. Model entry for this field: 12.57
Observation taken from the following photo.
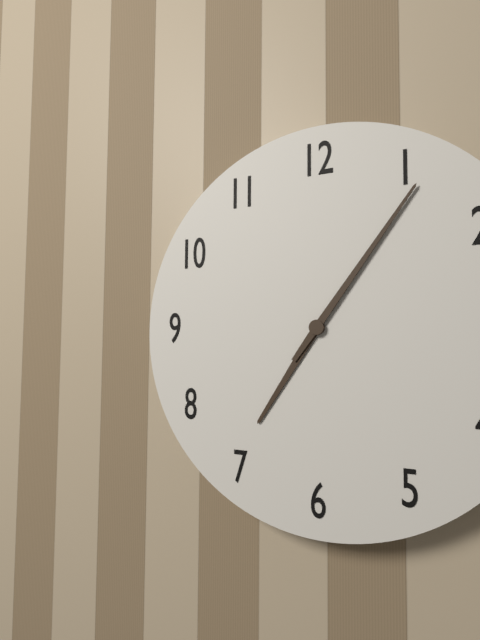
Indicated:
7.06
